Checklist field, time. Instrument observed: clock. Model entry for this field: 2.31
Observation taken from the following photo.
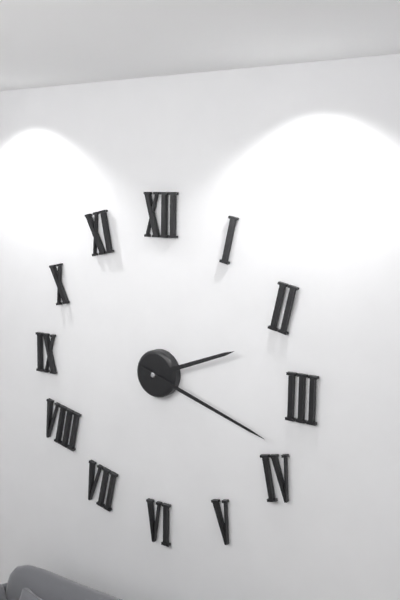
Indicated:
2.18
